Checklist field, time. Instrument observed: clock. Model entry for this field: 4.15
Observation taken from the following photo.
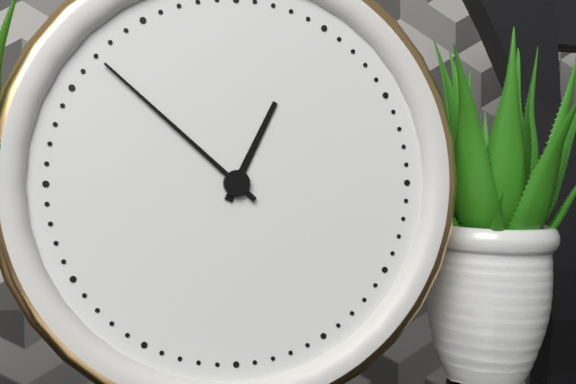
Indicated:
12.52
